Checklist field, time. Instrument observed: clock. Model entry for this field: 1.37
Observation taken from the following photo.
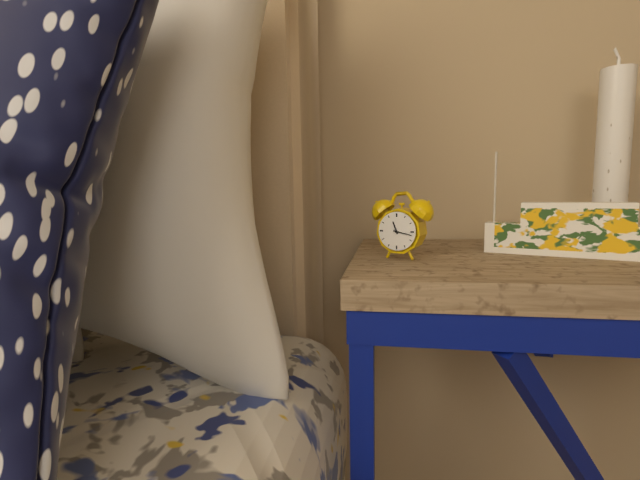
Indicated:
11.17
